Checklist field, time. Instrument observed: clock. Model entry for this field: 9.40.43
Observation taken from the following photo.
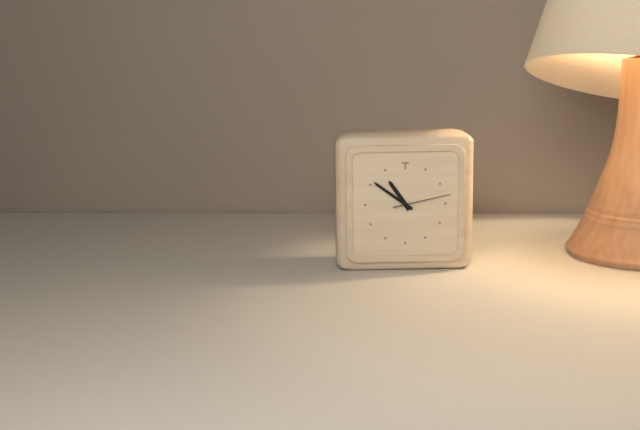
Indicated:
10.51.13
